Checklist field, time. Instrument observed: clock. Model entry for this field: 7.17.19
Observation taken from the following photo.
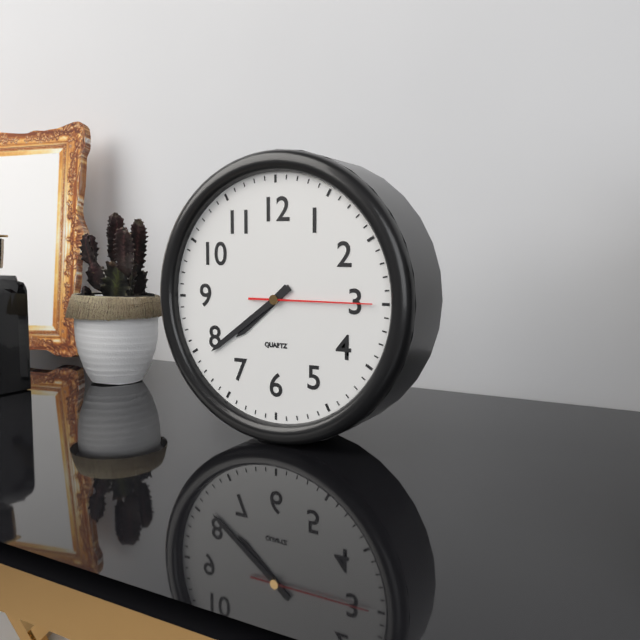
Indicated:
7.39.15
